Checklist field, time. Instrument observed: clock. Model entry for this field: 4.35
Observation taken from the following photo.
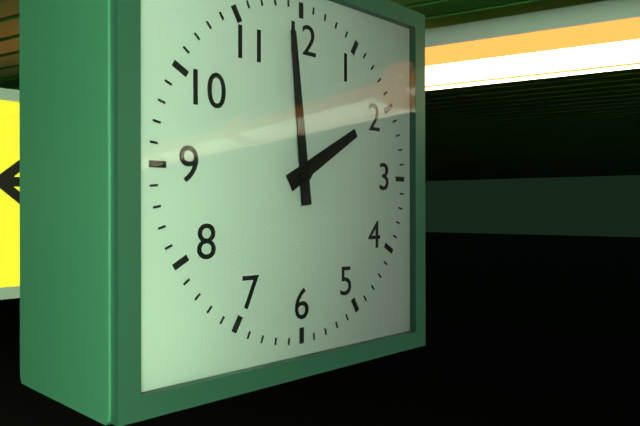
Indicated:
1.59
